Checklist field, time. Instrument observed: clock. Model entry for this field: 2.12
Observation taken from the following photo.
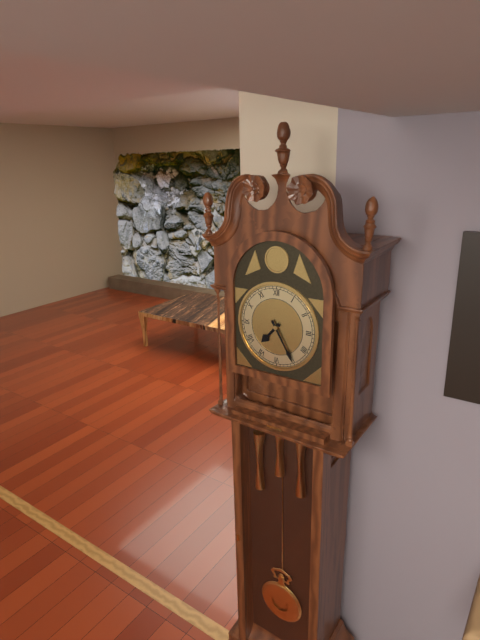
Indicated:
7.25
